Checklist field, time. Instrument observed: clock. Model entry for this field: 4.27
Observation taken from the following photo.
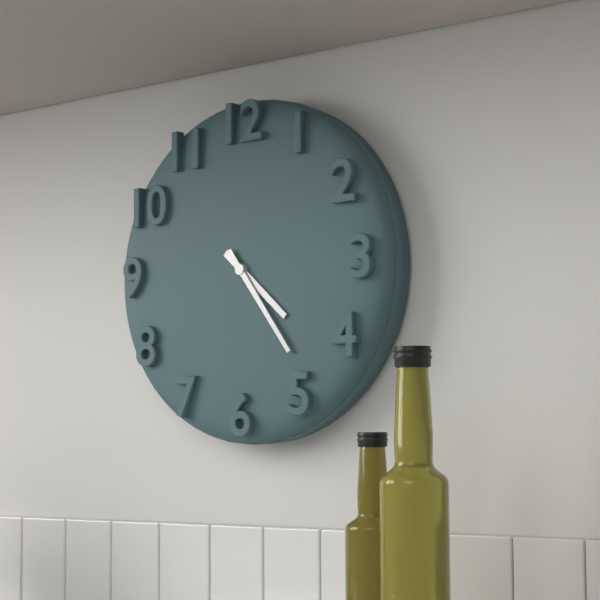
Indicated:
4.24
